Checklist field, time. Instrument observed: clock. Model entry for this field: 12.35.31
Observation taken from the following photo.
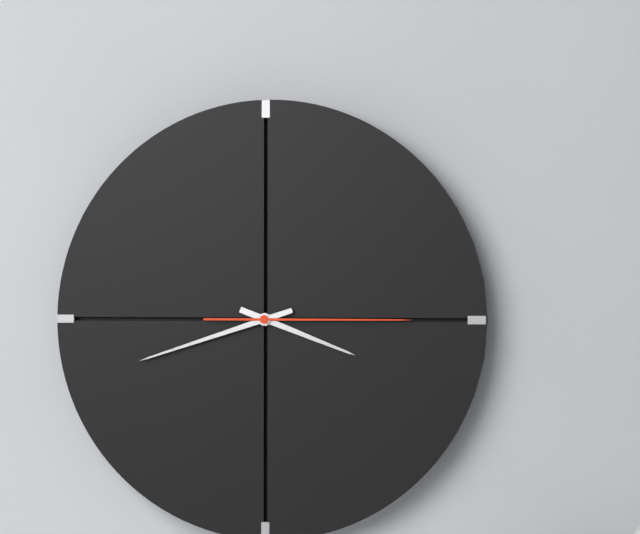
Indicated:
3.42.15
